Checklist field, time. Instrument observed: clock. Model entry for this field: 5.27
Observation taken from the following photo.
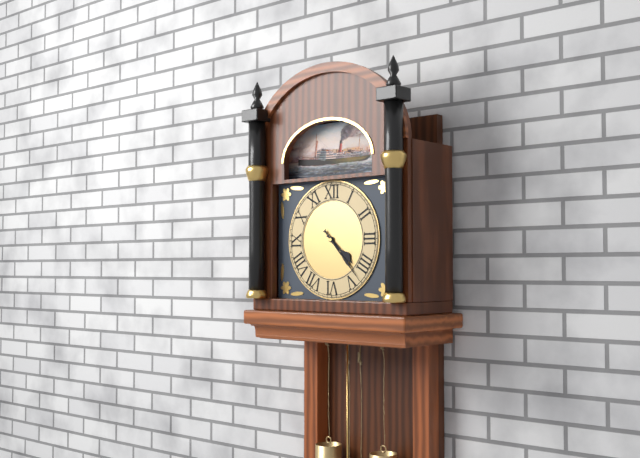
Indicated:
4.23
